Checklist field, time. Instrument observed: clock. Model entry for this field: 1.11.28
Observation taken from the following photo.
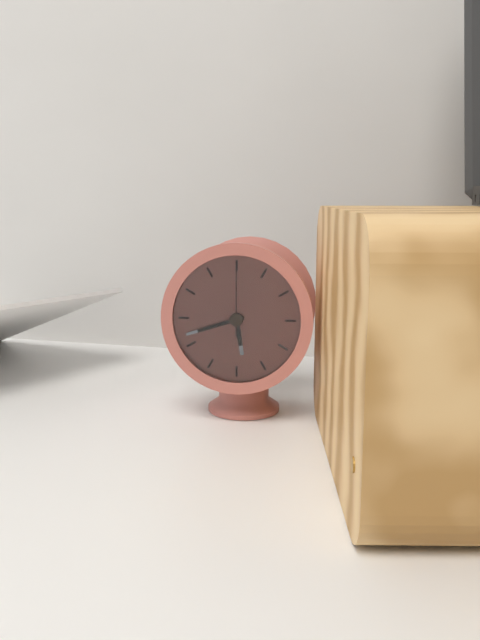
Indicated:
5.42.00
